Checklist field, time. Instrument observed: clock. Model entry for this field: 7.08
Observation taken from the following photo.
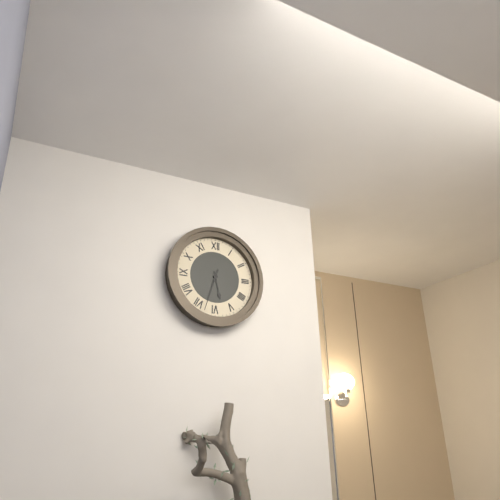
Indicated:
5.33
